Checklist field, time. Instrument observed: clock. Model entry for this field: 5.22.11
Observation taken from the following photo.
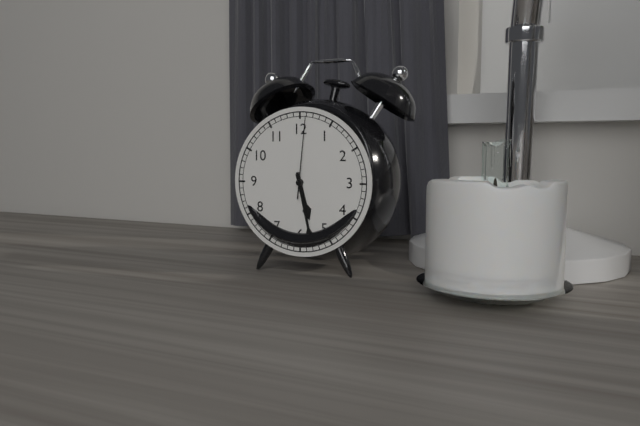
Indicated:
5.28.01
